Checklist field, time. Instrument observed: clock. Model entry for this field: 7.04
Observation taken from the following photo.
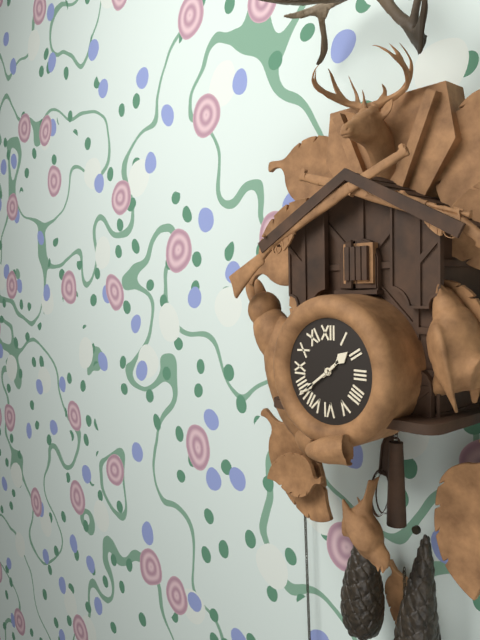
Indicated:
1.39
